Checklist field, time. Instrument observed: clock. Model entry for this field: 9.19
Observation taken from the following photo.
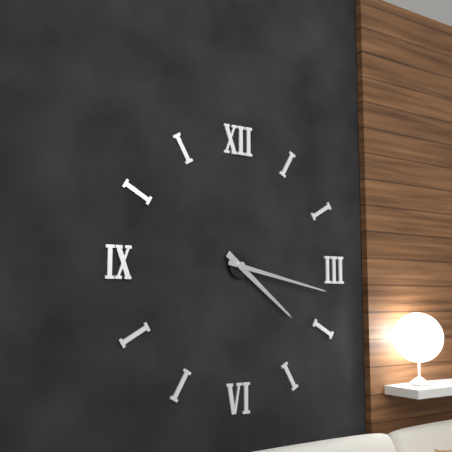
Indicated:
4.17
